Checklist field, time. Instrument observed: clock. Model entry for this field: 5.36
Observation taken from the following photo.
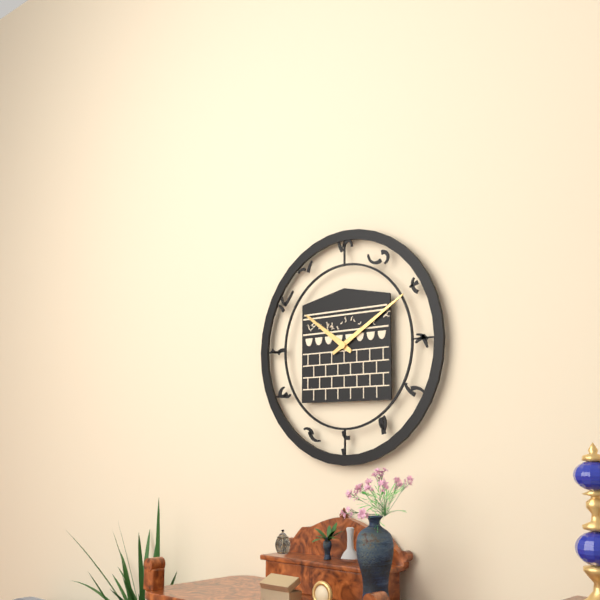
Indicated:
10.10
